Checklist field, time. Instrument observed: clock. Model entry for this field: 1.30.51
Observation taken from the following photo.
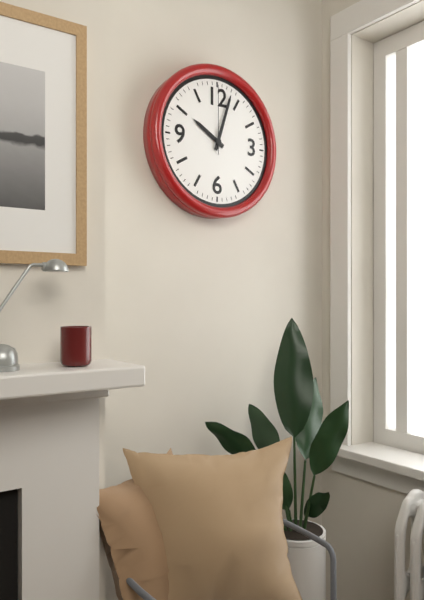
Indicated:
10.03.00
